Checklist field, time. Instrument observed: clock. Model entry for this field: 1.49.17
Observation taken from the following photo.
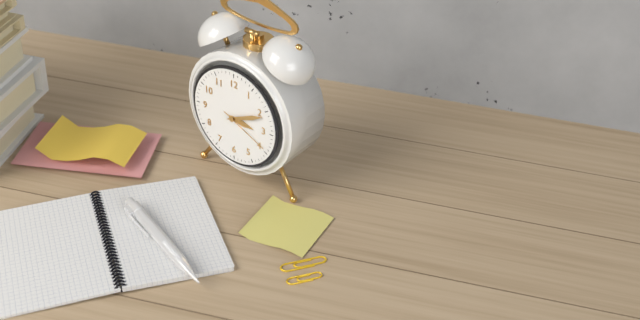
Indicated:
3.11.19
